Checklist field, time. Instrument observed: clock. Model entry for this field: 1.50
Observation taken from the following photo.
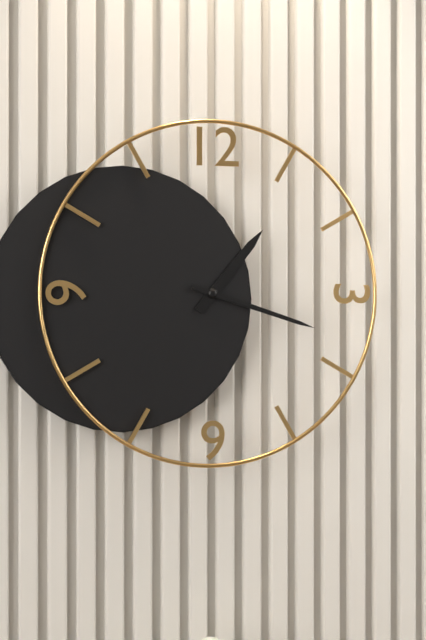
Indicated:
1.18
